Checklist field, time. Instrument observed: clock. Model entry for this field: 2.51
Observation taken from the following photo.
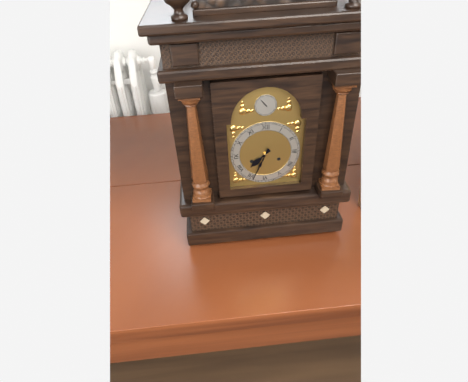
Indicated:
7.34
